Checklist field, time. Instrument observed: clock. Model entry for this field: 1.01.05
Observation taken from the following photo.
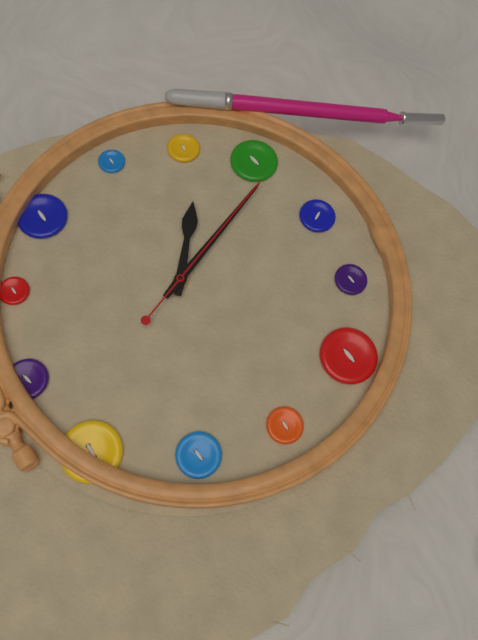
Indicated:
4.27.27
